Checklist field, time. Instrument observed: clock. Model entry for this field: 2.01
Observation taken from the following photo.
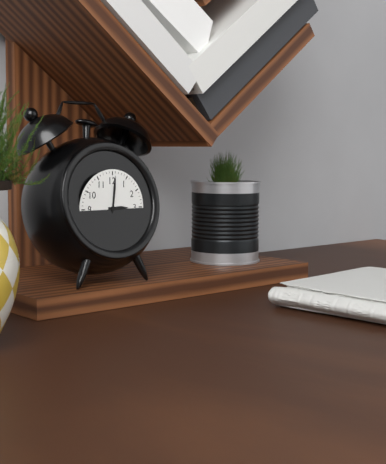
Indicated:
3.01
